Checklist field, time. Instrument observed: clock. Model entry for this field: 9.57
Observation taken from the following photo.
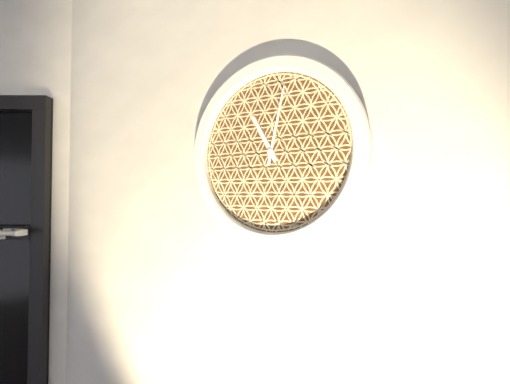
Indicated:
11.02
